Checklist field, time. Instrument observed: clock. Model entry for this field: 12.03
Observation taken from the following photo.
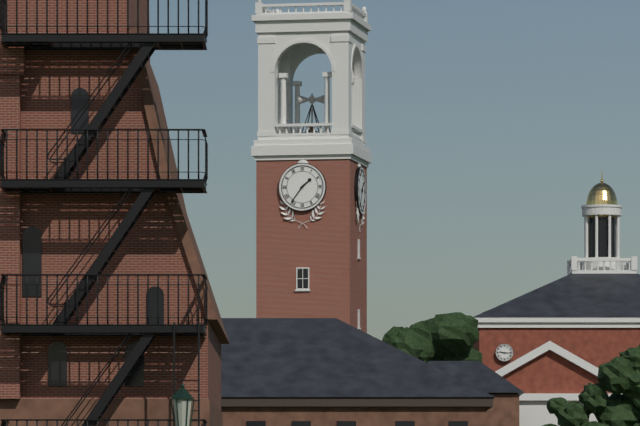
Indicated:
1.36
